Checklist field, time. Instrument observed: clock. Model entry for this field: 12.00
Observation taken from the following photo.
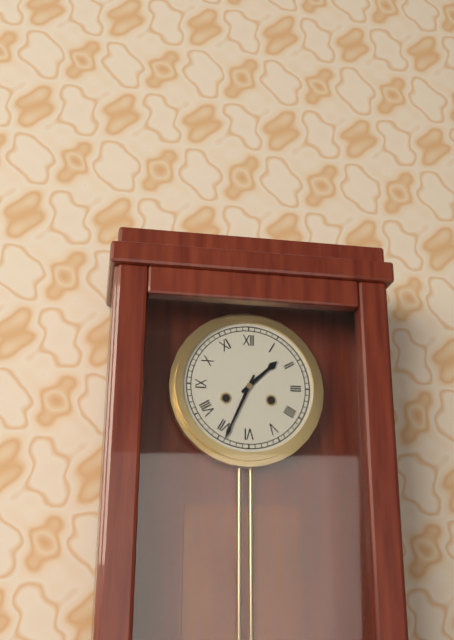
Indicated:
1.34
